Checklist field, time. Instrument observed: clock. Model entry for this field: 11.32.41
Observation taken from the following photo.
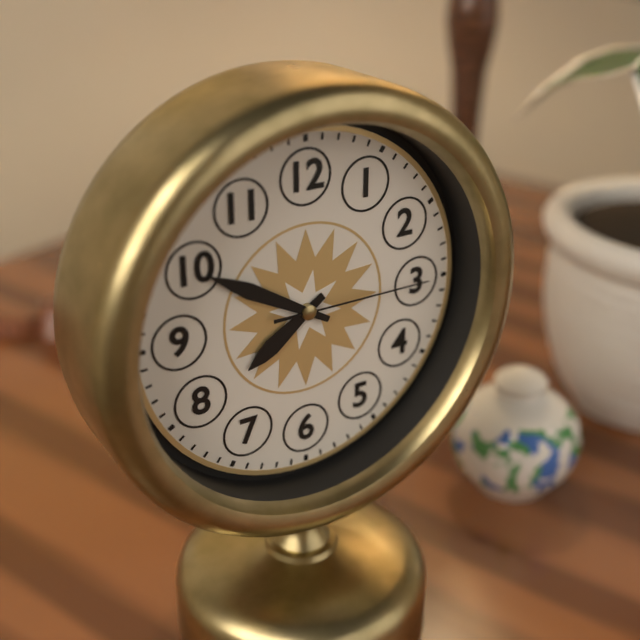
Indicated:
7.50.15
